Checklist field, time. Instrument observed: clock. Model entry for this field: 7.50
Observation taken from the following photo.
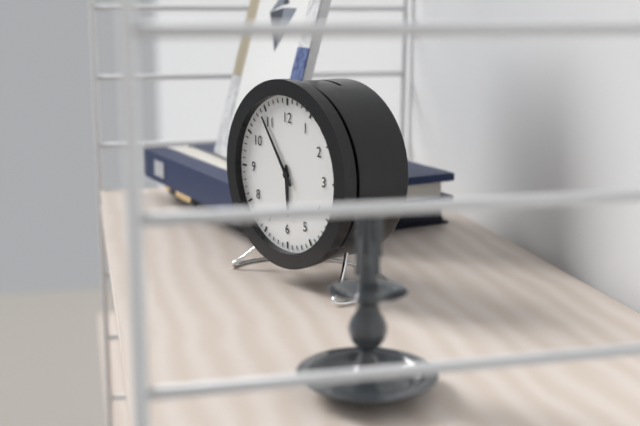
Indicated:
5.54
